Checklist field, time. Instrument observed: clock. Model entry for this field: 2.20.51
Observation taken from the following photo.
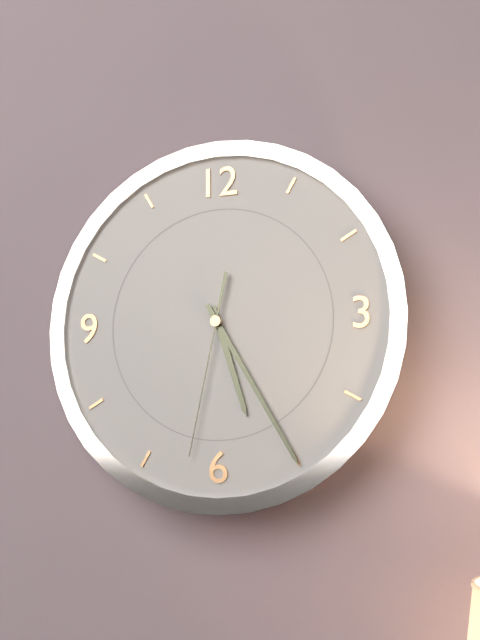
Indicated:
5.25.32
